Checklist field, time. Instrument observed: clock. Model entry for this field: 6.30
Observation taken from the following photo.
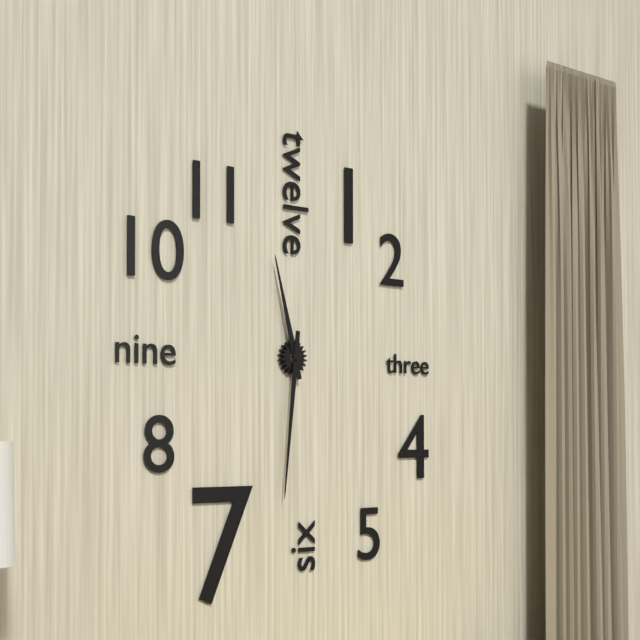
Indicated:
11.31
